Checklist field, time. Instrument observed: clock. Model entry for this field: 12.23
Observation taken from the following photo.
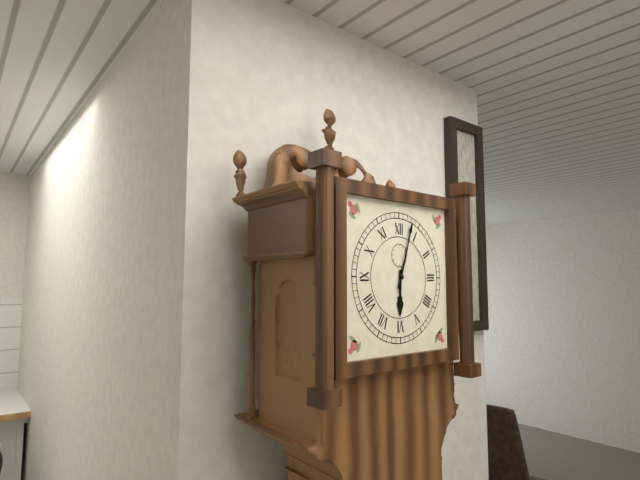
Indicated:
6.03
